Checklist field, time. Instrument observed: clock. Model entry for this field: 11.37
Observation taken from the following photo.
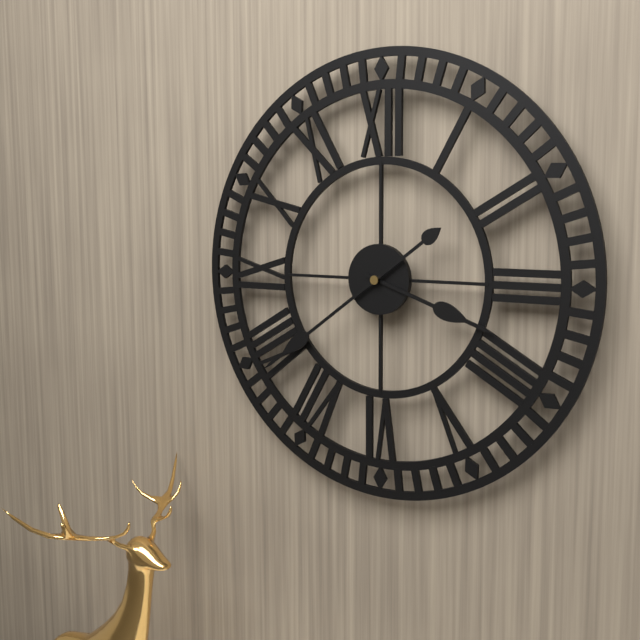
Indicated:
3.39
